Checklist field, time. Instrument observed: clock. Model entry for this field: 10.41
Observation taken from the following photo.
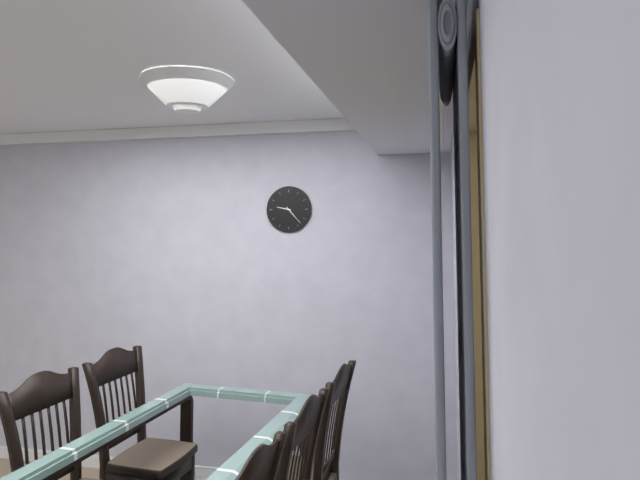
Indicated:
9.23
